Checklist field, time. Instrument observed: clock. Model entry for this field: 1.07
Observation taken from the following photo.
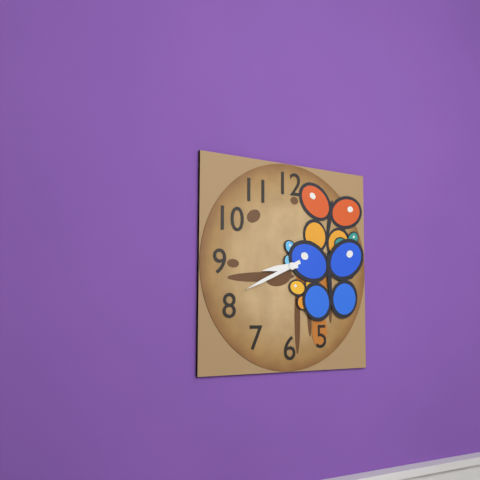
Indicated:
8.41
